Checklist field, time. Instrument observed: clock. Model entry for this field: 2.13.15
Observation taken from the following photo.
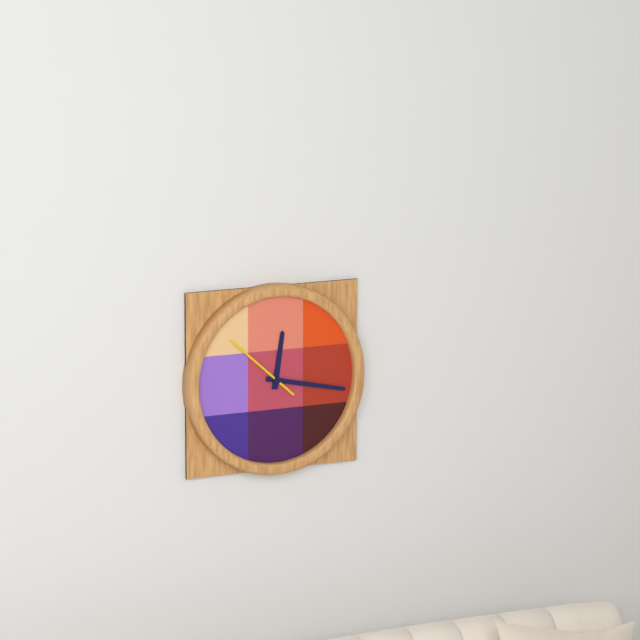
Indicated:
12.17.52
